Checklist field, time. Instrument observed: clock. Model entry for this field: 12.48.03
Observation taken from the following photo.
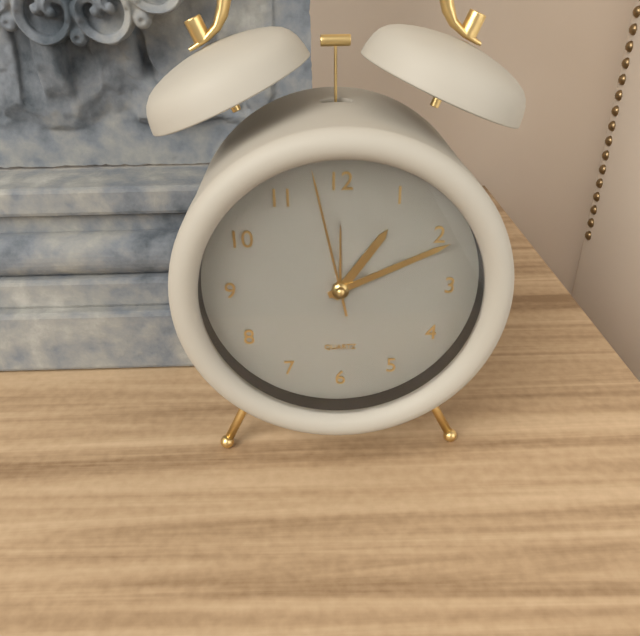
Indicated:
1.11.58
